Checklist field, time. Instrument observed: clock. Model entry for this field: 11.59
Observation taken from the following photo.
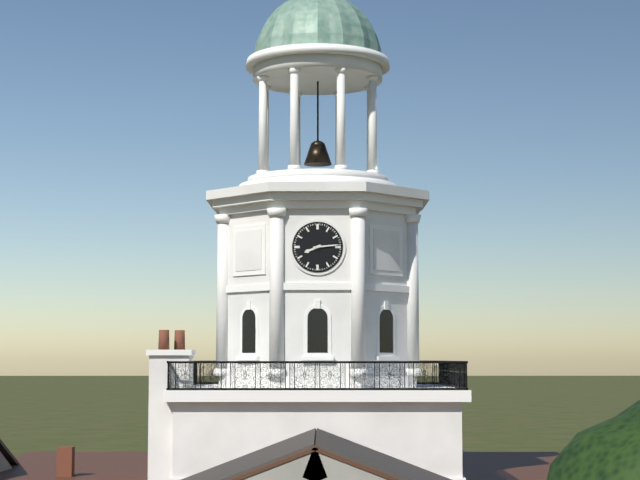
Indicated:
8.14
